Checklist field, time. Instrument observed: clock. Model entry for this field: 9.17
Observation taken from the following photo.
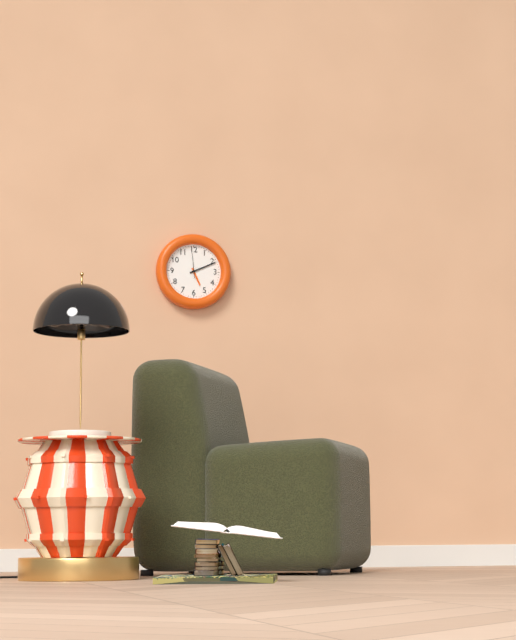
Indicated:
5.11
